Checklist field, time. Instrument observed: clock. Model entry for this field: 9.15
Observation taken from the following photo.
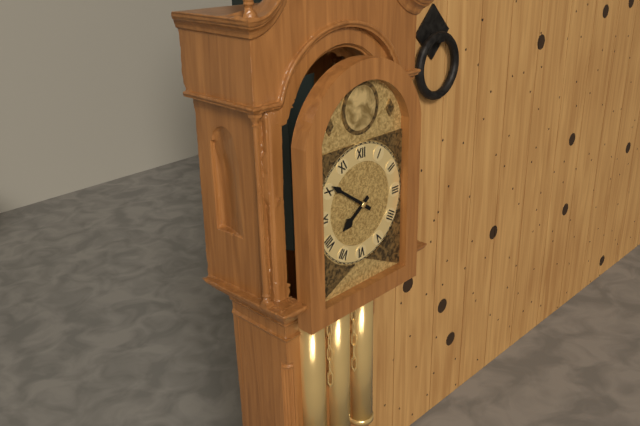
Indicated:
7.51
